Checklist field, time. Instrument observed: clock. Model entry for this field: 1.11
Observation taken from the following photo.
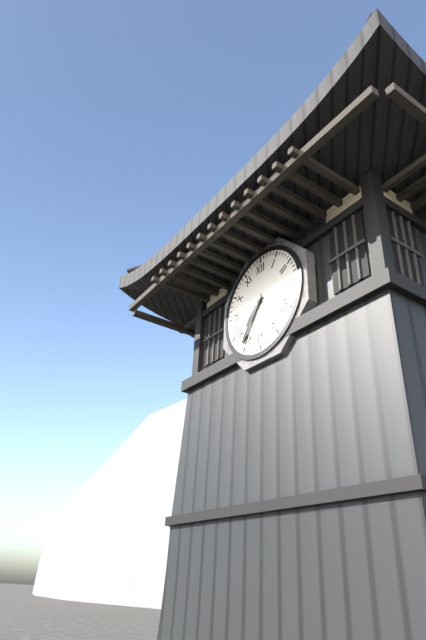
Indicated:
7.36
